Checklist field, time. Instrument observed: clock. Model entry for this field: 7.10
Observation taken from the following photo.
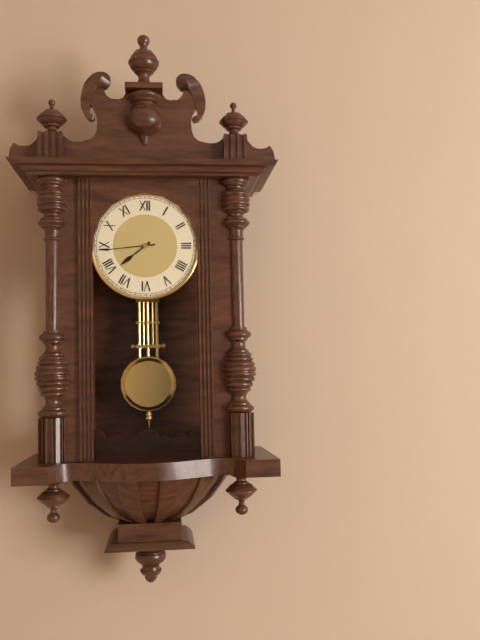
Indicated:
7.44
